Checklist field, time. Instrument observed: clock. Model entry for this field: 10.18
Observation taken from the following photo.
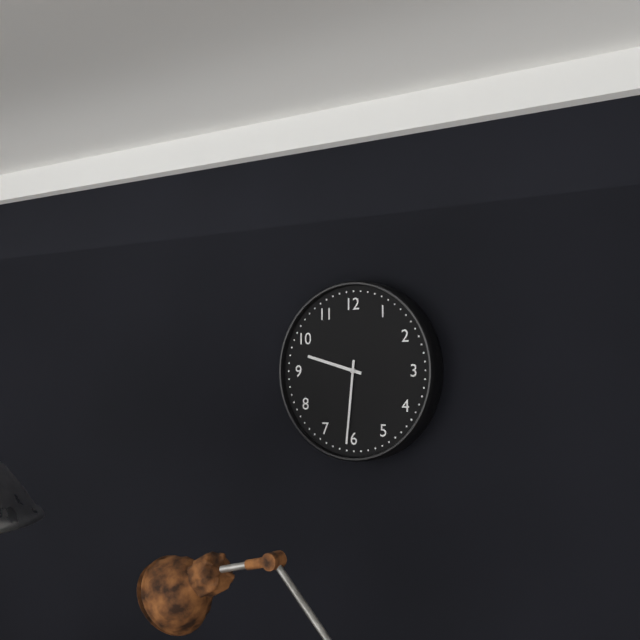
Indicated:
9.31
